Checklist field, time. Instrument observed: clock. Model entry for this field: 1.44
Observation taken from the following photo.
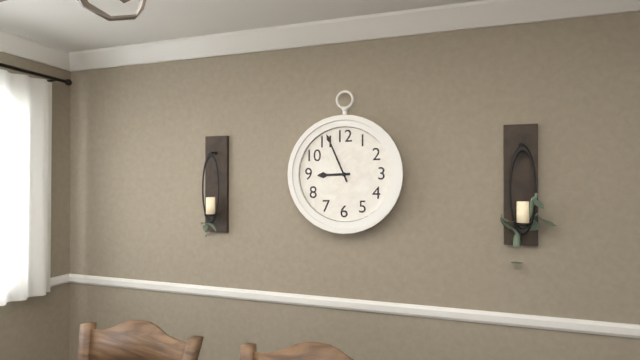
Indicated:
8.56
